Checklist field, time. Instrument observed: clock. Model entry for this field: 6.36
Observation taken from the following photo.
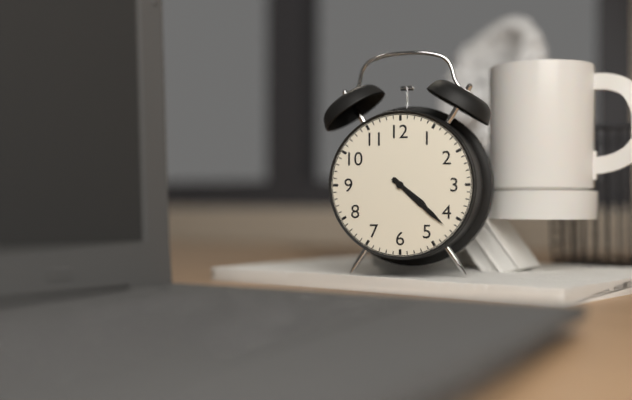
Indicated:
4.22
